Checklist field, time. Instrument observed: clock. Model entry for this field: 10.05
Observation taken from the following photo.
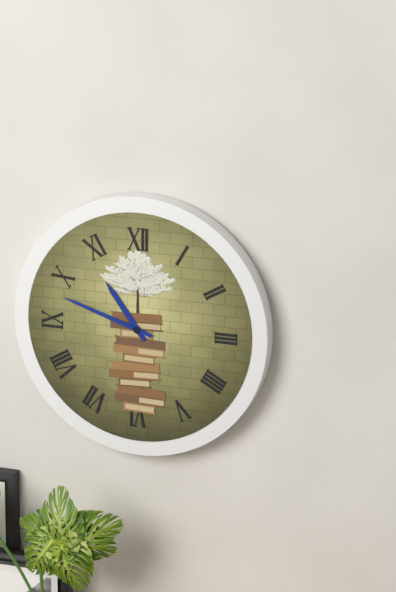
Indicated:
10.48
